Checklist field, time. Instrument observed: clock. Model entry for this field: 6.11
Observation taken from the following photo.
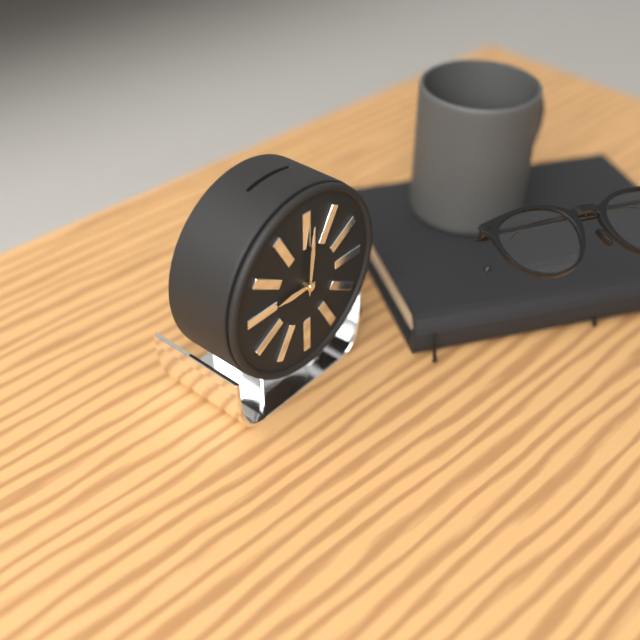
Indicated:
9.01
